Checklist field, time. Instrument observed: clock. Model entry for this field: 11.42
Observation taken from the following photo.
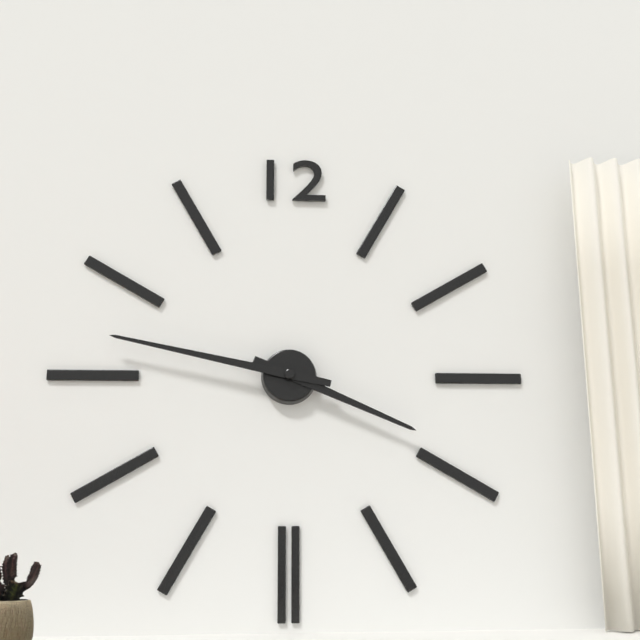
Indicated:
3.47
